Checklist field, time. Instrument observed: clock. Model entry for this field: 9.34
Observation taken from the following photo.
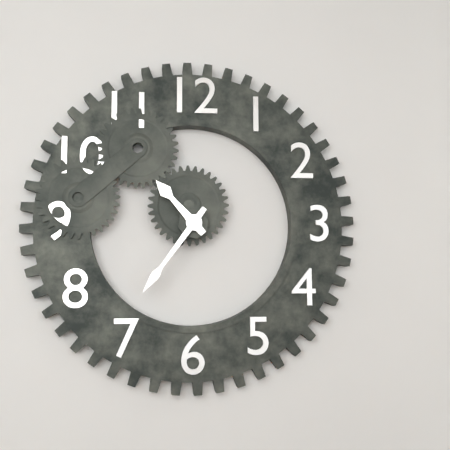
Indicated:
10.36
